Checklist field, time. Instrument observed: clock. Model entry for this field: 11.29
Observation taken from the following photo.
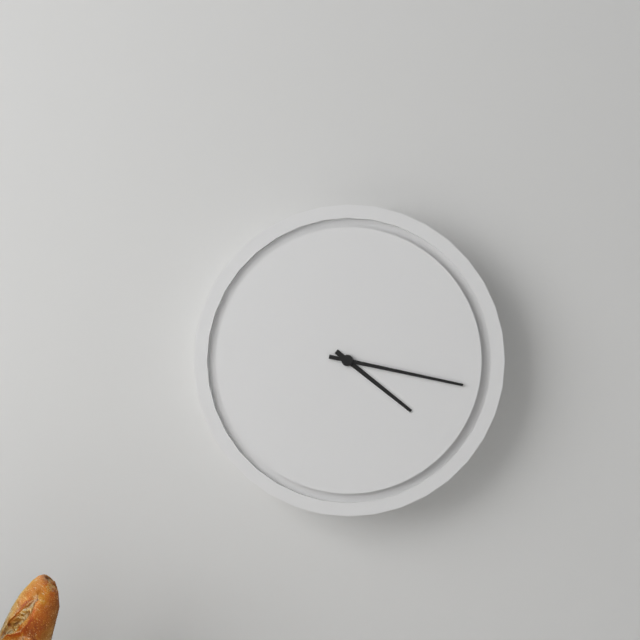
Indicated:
4.17
